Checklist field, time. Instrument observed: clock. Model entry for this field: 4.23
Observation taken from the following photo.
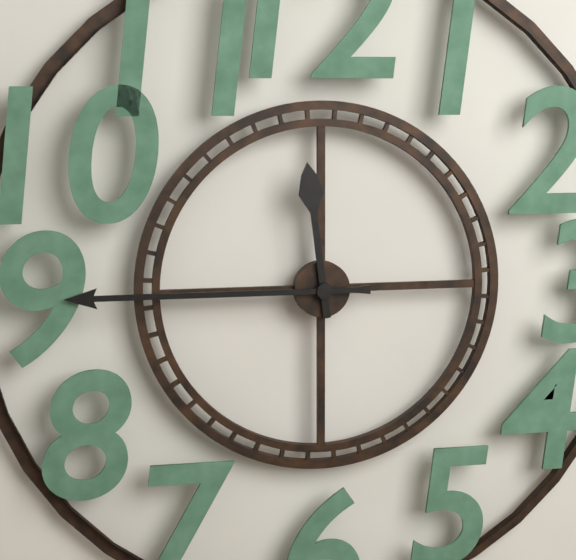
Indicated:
11.45
